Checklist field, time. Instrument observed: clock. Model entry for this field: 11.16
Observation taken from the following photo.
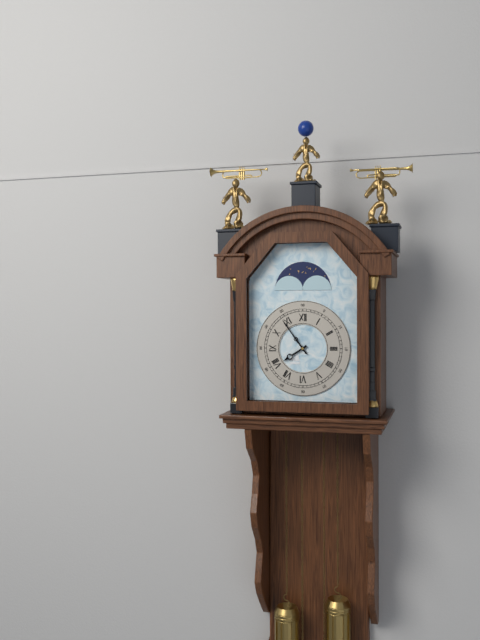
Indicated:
7.54
